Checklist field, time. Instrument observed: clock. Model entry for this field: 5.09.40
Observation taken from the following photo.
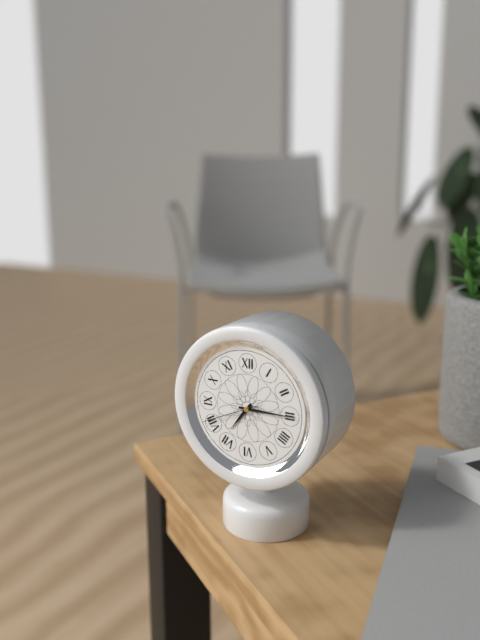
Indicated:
7.15.41
